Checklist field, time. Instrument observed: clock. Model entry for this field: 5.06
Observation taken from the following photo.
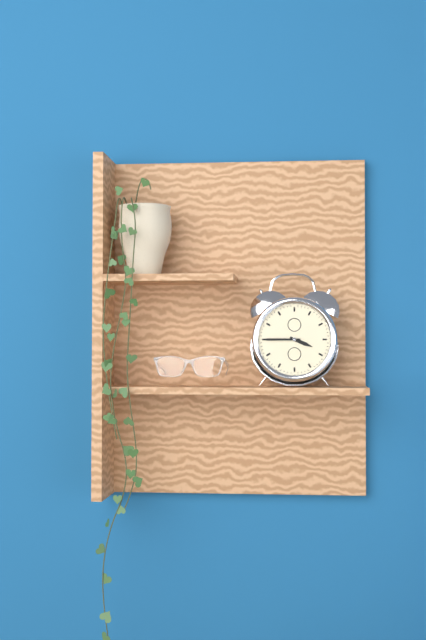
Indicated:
3.45
